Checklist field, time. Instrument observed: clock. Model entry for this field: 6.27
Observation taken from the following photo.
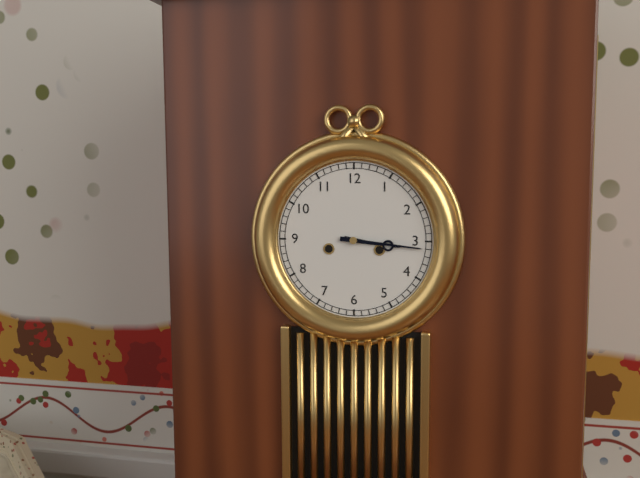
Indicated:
3.16
